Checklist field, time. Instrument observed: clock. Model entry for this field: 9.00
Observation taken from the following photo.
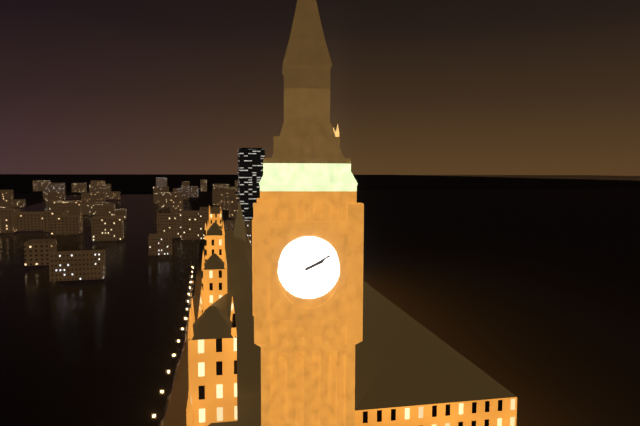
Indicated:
2.10
